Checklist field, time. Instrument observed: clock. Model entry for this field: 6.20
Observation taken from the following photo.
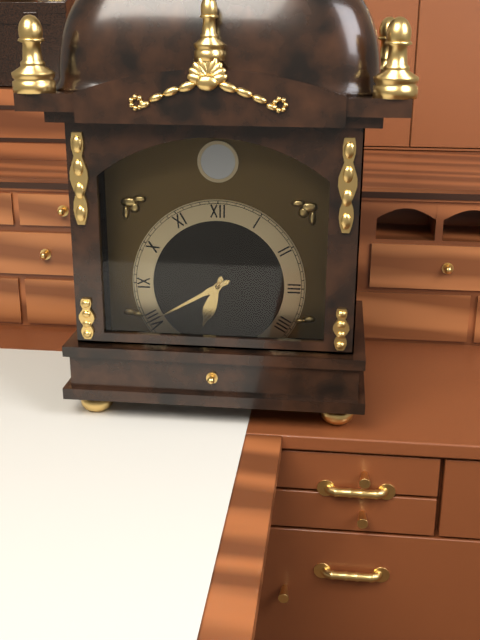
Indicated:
6.40
